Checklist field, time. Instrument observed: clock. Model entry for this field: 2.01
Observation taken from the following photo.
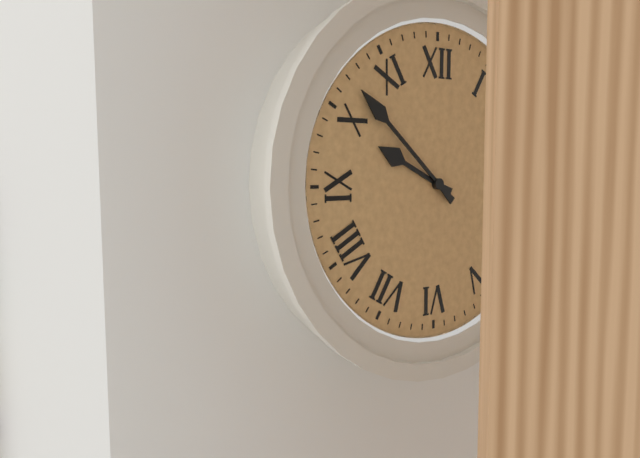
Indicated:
9.52
